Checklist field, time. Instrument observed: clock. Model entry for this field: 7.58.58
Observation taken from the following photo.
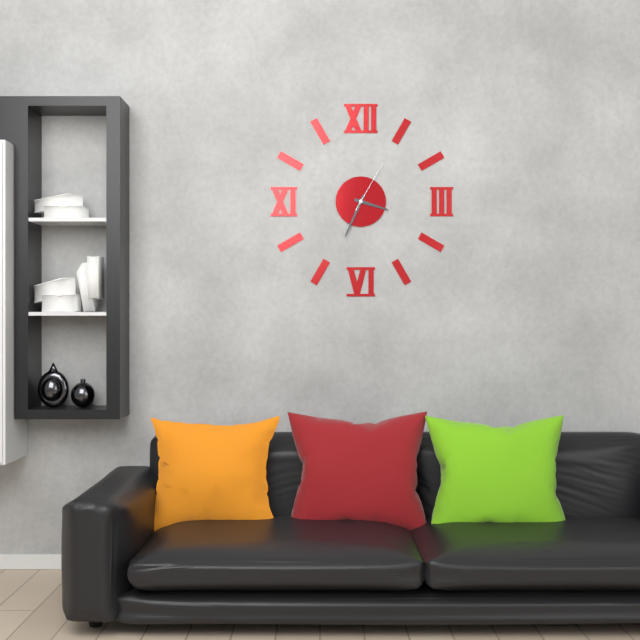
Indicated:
3.34.05
